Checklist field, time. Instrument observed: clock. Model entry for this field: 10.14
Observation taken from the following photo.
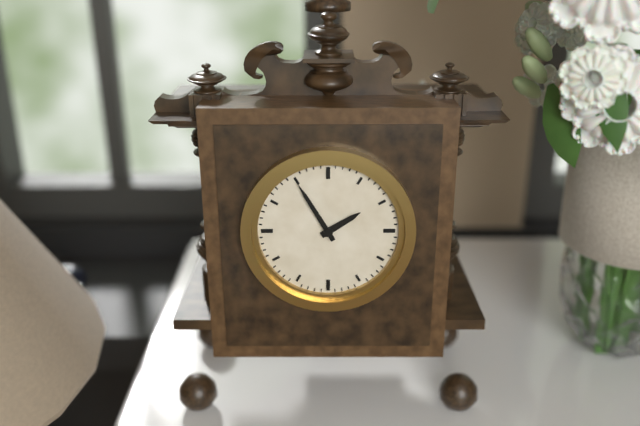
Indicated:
1.55
